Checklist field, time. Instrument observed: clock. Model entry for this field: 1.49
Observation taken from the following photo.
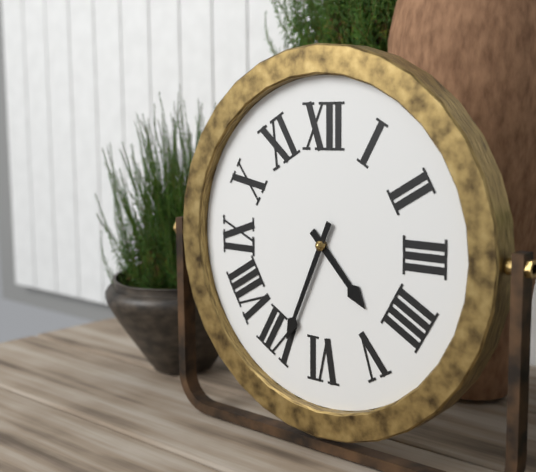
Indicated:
4.34
